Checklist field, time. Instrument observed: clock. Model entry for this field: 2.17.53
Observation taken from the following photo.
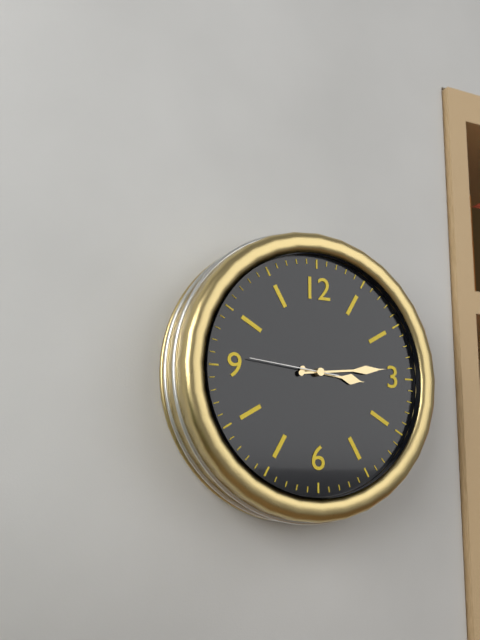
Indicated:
3.14.46
